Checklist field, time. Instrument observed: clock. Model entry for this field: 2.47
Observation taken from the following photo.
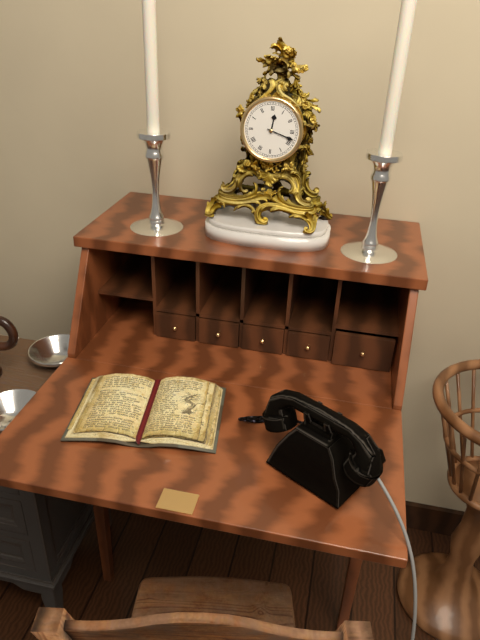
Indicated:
12.18
